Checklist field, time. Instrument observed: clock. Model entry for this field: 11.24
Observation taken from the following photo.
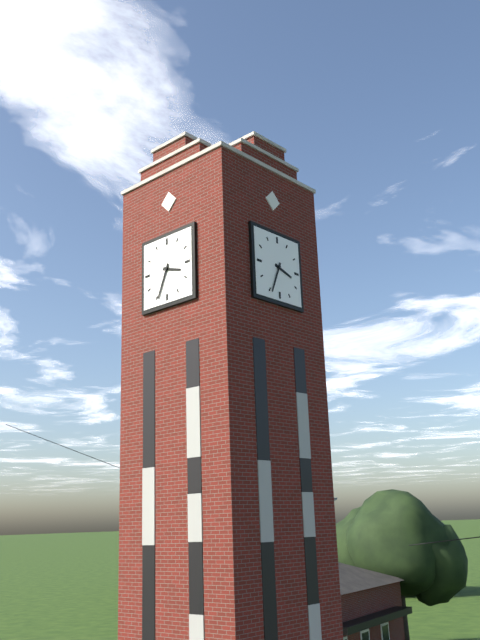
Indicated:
3.34
